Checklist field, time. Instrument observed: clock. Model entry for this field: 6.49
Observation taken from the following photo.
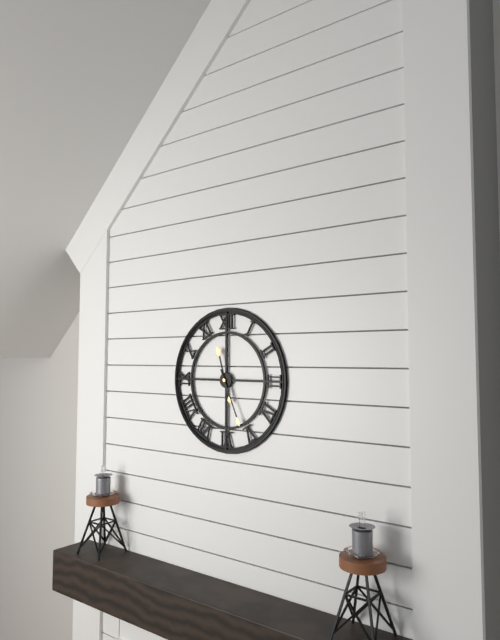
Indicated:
11.26
